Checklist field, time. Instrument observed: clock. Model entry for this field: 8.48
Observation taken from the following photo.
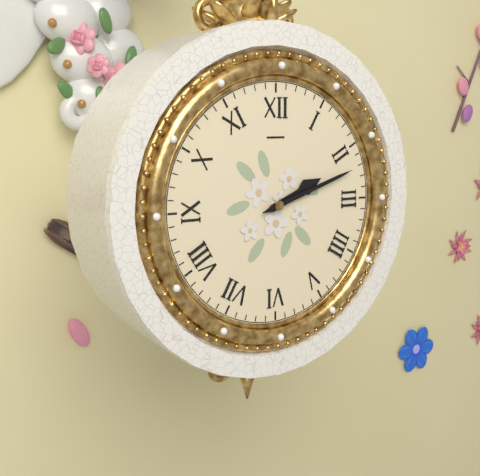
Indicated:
2.12
